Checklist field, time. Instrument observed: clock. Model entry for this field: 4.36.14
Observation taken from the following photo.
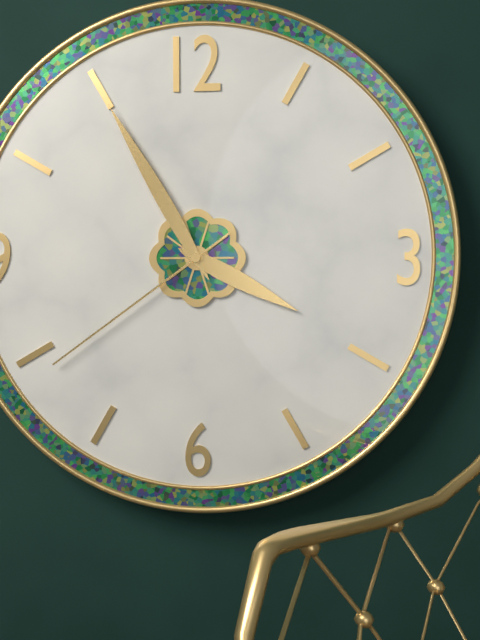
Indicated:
3.55.39
